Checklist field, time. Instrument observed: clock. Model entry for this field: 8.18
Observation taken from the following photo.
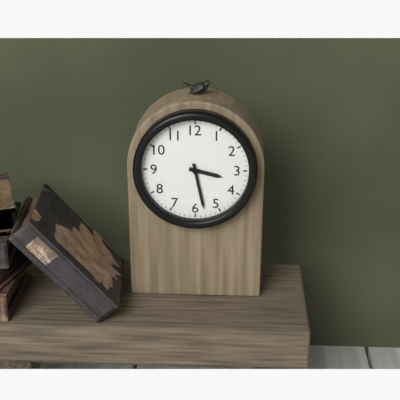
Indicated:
3.28
